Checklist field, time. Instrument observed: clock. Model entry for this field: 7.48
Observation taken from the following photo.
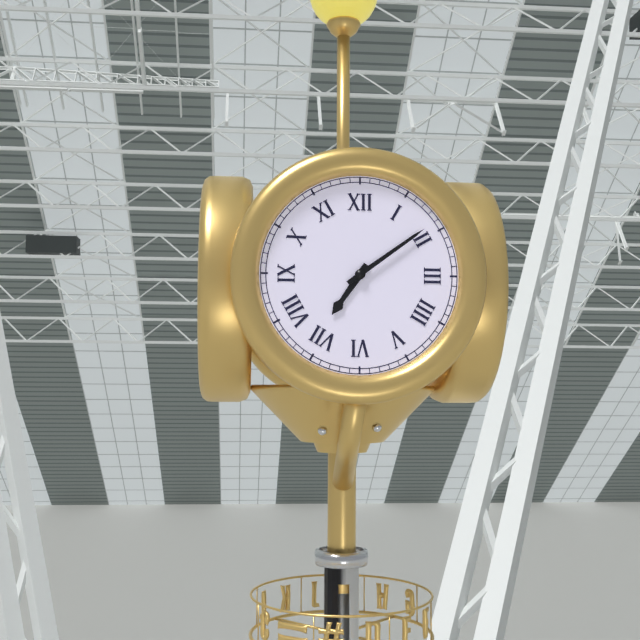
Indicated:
7.09
